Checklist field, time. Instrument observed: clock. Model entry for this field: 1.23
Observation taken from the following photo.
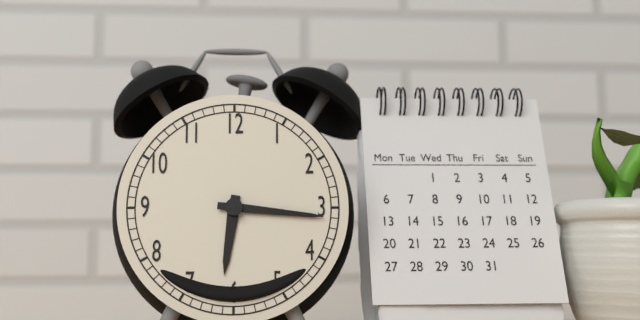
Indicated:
6.16
